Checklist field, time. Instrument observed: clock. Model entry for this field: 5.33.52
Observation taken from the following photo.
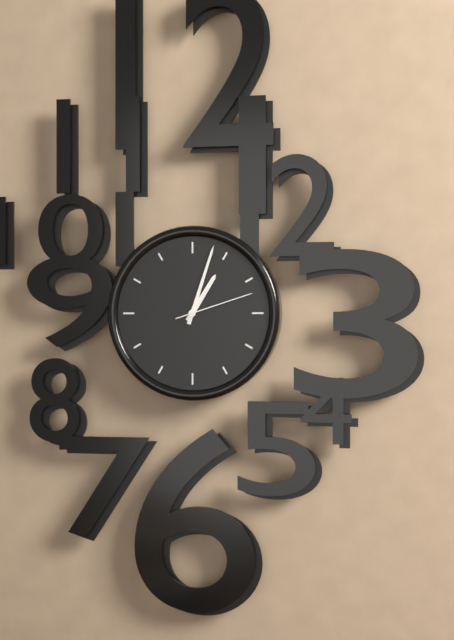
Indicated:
1.03.12
